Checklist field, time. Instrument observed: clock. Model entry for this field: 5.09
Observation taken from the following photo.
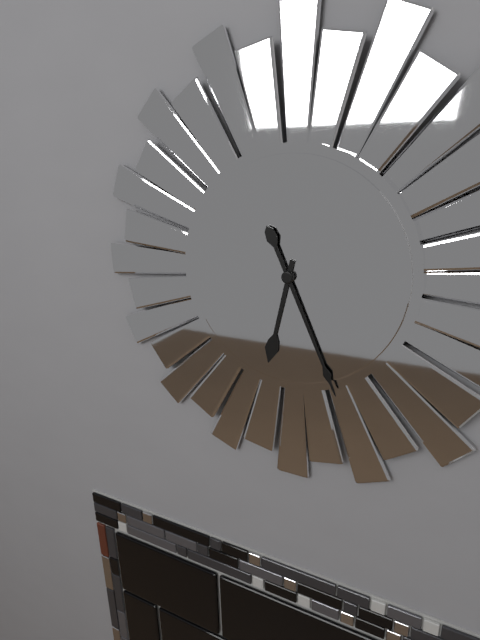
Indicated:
6.26
